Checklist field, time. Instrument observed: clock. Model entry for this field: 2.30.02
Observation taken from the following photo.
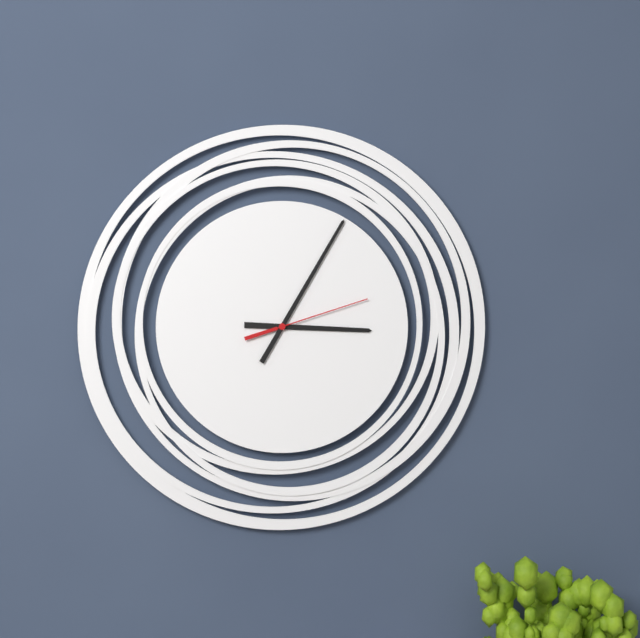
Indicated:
3.05.12
